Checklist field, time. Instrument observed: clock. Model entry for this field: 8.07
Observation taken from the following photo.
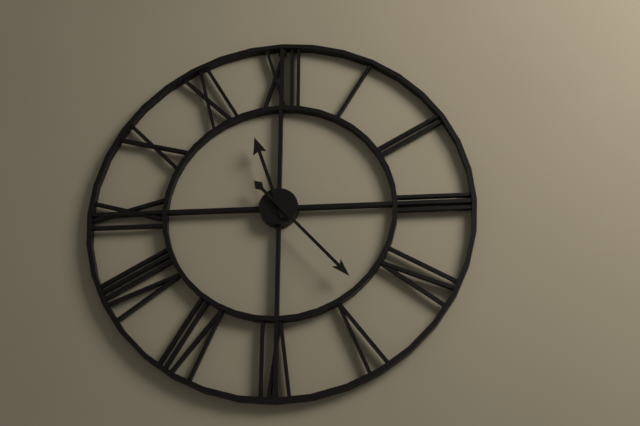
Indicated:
11.23
